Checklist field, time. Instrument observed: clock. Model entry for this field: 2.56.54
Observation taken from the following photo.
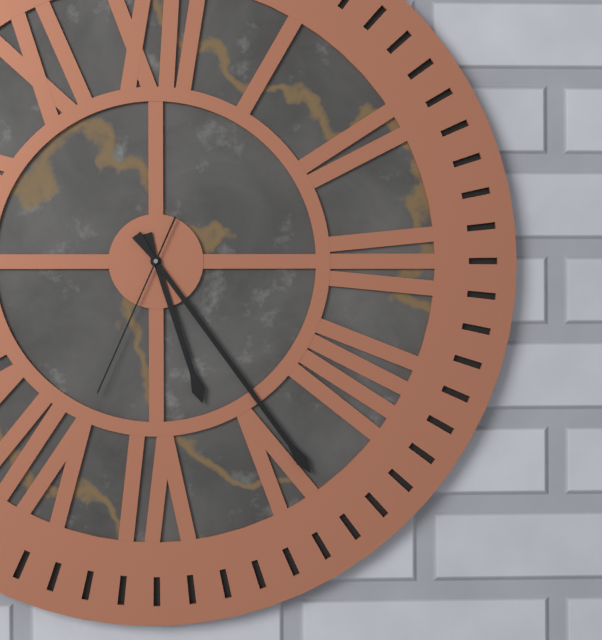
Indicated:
5.24.34
